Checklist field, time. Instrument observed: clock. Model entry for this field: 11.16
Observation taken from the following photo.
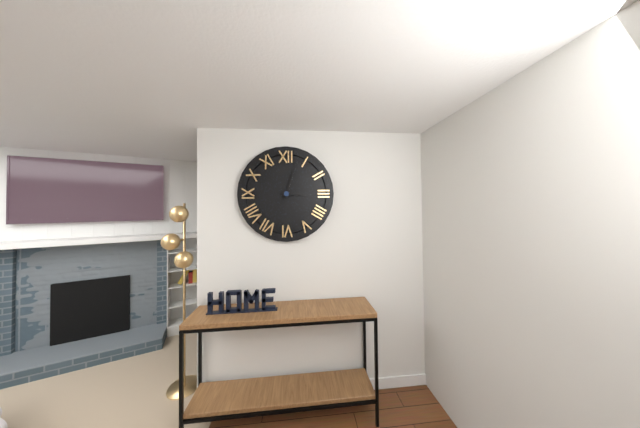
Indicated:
3.03
